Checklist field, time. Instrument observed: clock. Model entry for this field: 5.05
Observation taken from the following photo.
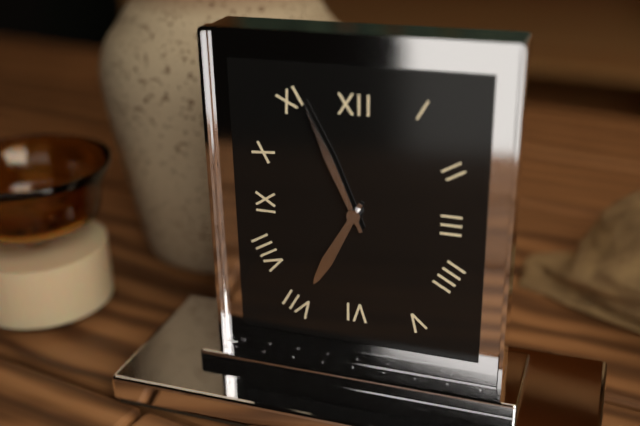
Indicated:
6.56
